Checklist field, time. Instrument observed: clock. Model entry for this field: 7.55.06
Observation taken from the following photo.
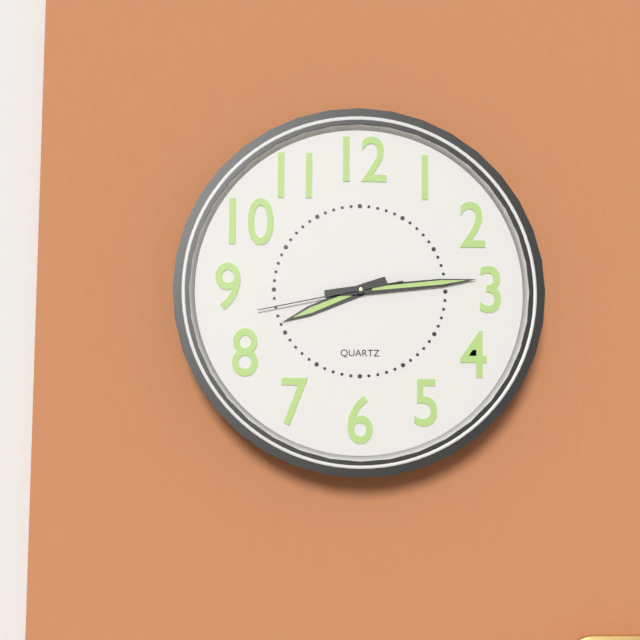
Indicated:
8.14.43
